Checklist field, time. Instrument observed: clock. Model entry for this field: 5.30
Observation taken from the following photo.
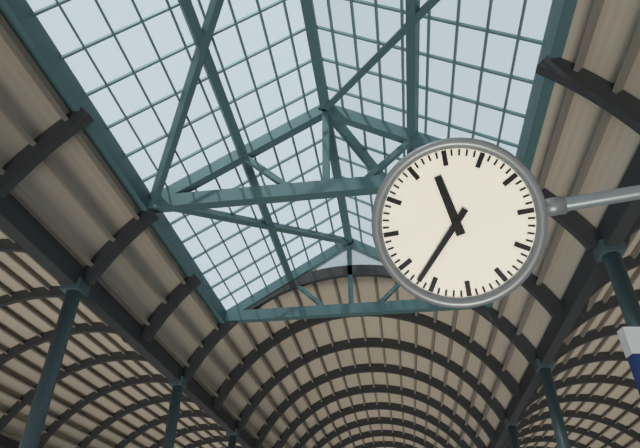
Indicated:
11.37
